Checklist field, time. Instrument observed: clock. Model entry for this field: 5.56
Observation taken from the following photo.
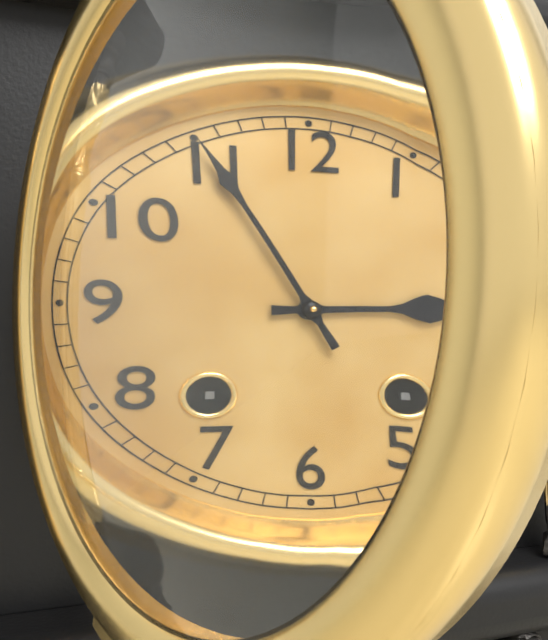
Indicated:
2.55
